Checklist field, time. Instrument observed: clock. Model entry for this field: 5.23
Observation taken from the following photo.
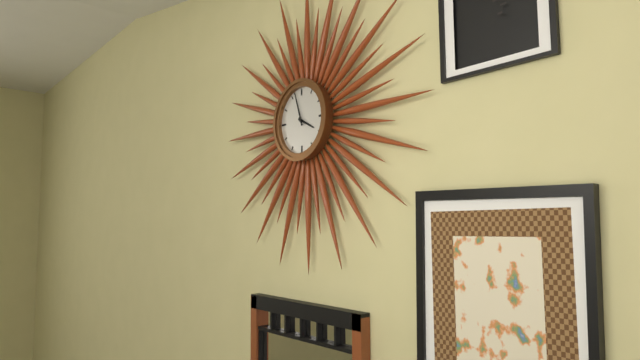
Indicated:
3.57
